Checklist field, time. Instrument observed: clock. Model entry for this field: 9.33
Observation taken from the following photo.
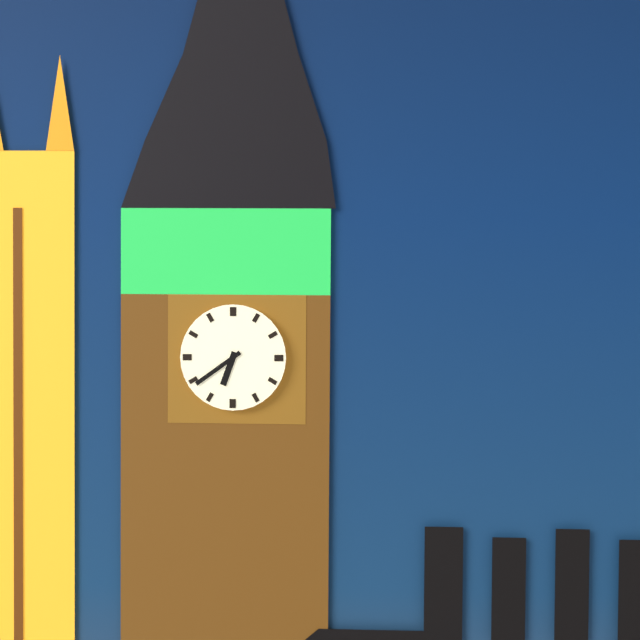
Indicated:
6.39
